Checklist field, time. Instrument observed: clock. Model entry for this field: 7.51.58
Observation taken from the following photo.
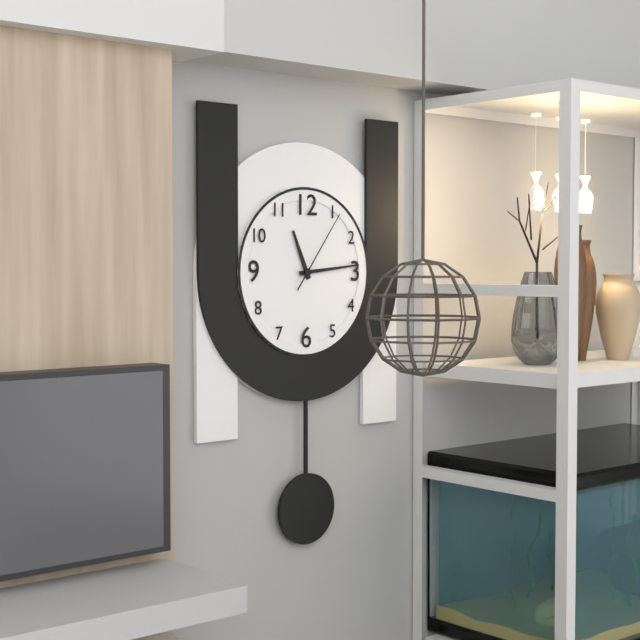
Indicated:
11.14.06
